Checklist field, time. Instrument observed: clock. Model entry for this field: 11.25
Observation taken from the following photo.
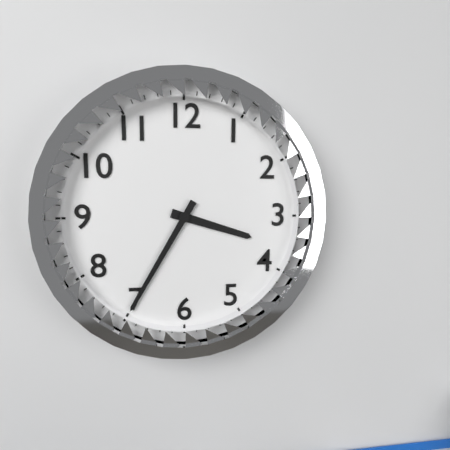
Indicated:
3.35
